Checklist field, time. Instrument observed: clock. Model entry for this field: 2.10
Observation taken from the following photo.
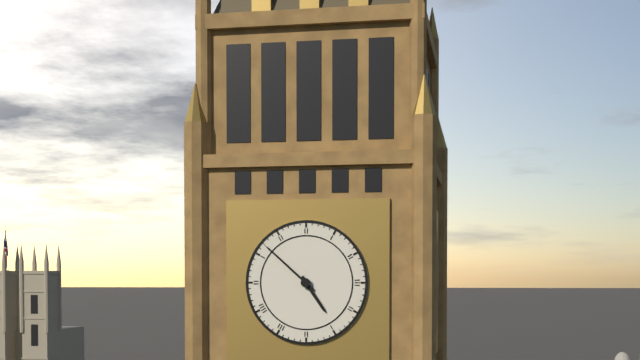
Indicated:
4.52
